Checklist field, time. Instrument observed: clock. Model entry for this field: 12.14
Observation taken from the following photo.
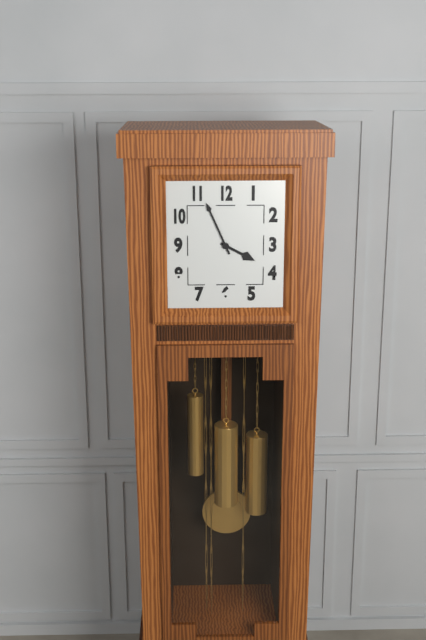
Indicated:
3.56
